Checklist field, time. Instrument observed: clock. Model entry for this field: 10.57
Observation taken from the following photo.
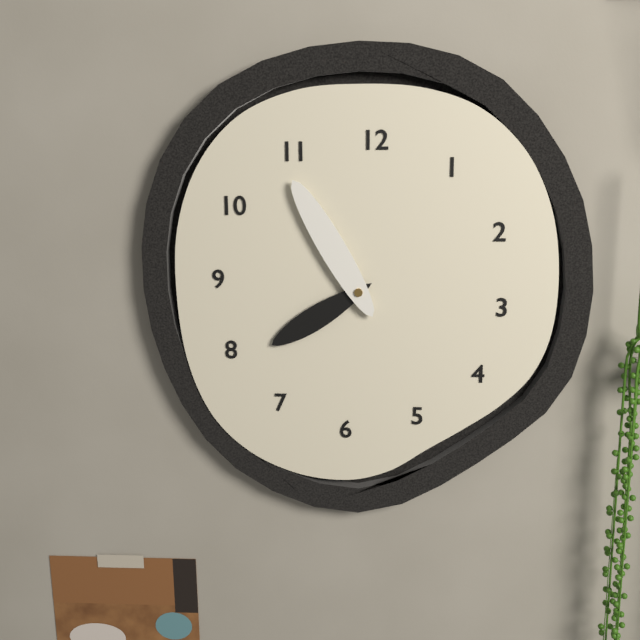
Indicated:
7.55
